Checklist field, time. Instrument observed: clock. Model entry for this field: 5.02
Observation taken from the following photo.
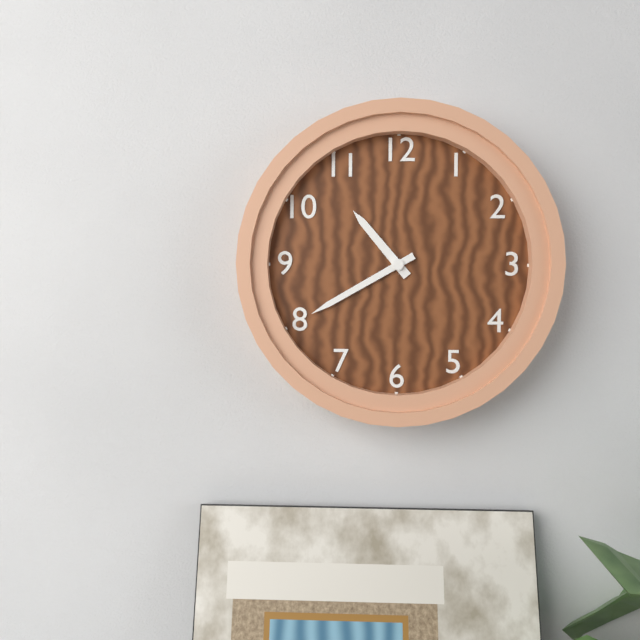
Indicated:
10.40
